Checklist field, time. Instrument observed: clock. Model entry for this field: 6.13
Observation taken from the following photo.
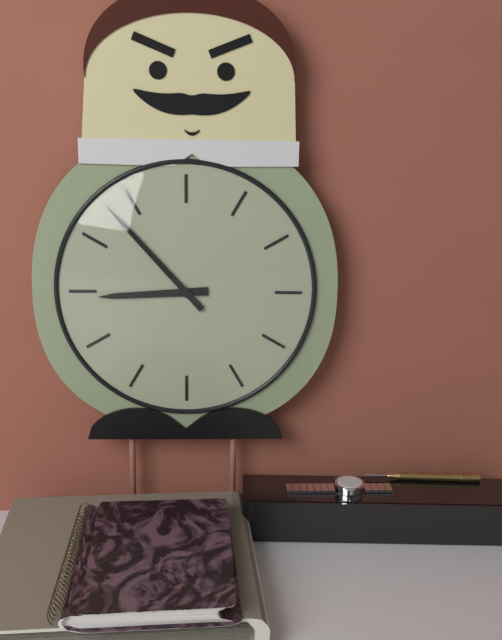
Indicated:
8.53
